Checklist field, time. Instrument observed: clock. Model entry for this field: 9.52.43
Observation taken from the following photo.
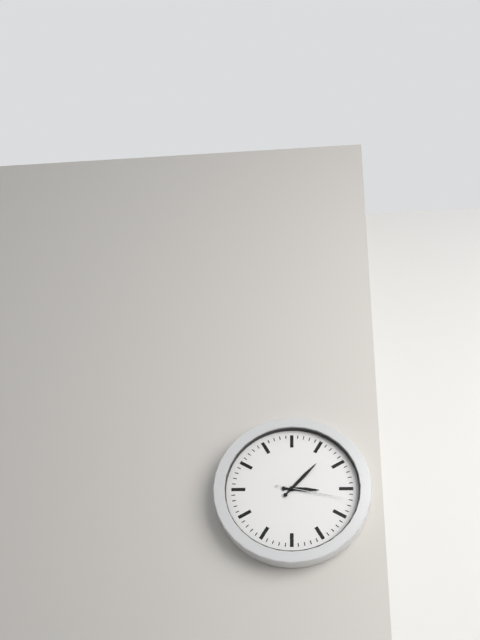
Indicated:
3.07.17
